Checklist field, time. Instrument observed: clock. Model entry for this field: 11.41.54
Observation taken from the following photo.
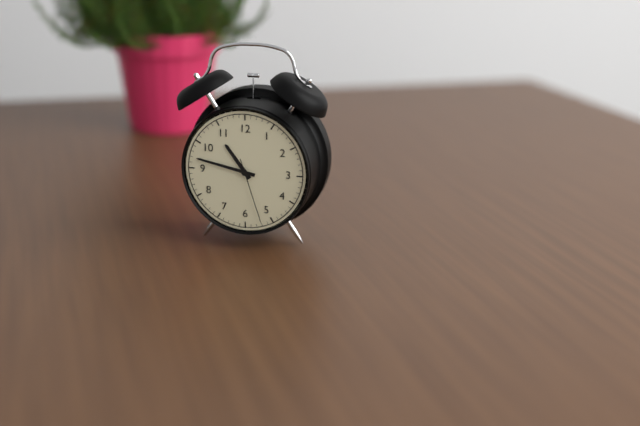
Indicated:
10.47.27
